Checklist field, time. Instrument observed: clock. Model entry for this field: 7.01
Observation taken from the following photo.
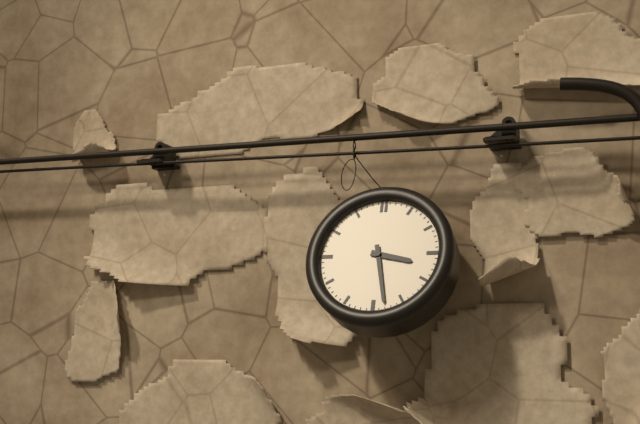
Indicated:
3.28
